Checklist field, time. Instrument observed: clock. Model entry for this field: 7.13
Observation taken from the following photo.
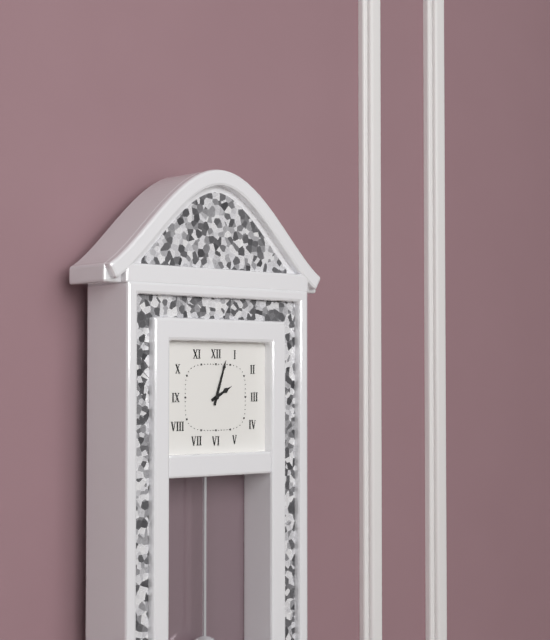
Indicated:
2.03
